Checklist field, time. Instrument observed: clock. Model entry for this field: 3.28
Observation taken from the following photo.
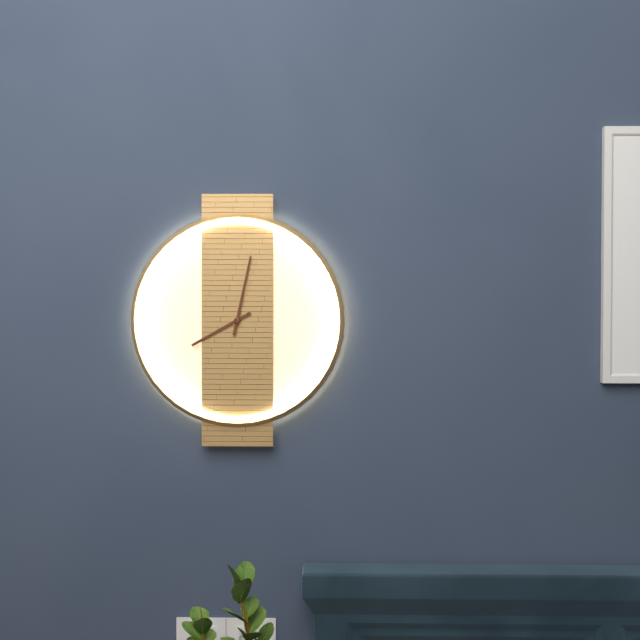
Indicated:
8.02
